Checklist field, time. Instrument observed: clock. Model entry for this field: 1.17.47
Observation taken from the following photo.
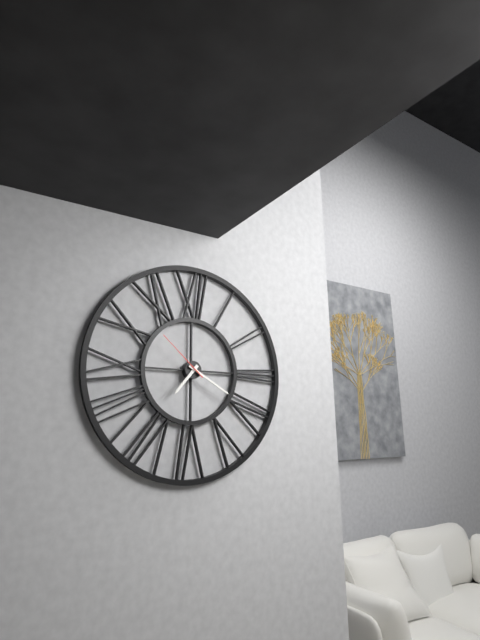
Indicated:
7.20.52
